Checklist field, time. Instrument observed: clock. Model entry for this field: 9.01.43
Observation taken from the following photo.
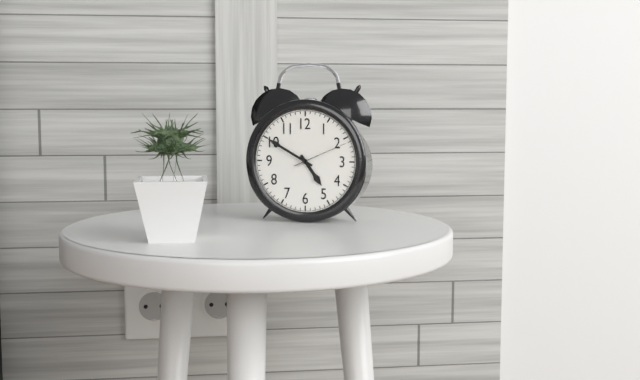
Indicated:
4.50.11
